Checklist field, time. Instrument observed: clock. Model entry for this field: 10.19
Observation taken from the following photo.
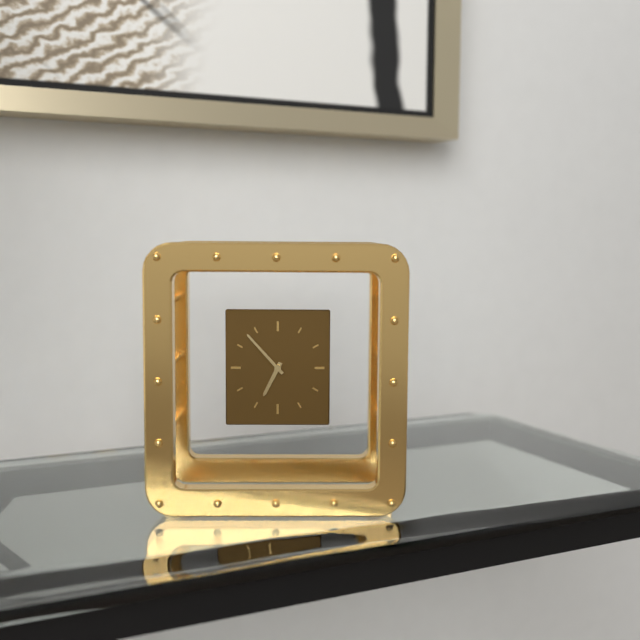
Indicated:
6.53
